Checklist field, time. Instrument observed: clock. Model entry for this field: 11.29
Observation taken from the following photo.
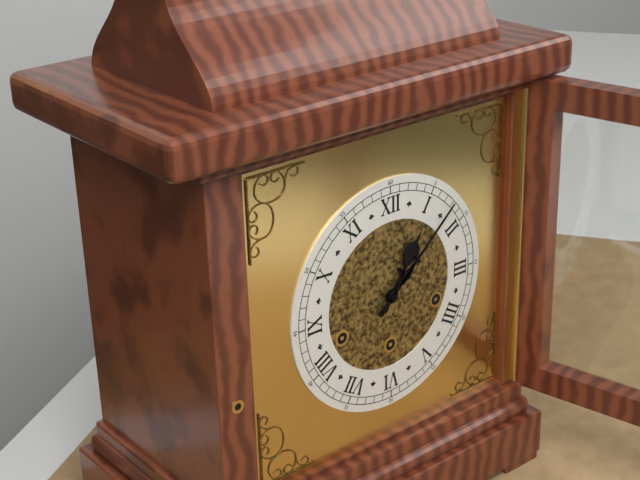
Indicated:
1.08
